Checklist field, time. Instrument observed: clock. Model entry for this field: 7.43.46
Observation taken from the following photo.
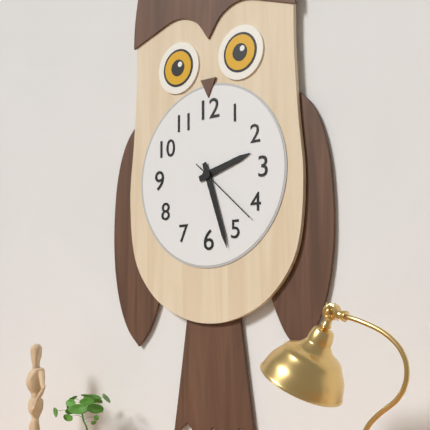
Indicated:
2.27.22
